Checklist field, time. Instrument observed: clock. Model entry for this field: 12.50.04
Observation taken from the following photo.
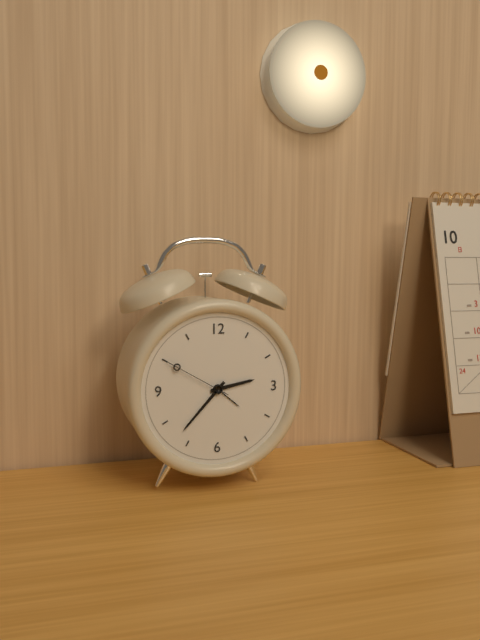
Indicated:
2.37.50
